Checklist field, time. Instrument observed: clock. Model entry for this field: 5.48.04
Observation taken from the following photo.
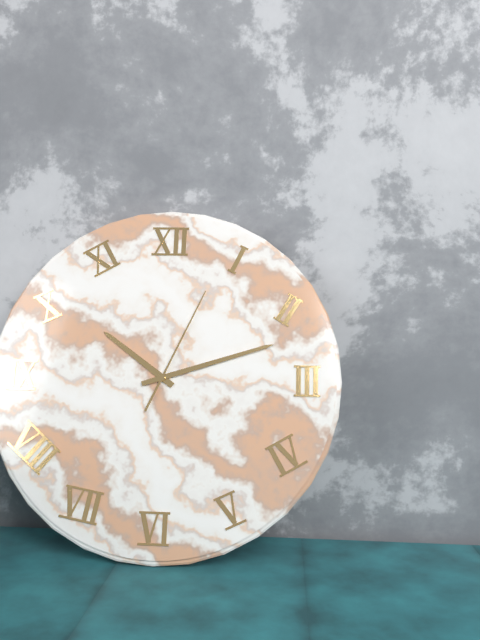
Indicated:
10.12.04
